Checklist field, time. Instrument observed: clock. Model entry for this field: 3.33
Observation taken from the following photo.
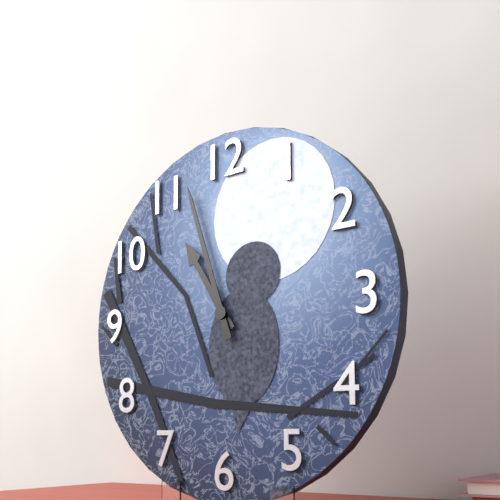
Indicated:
10.57
